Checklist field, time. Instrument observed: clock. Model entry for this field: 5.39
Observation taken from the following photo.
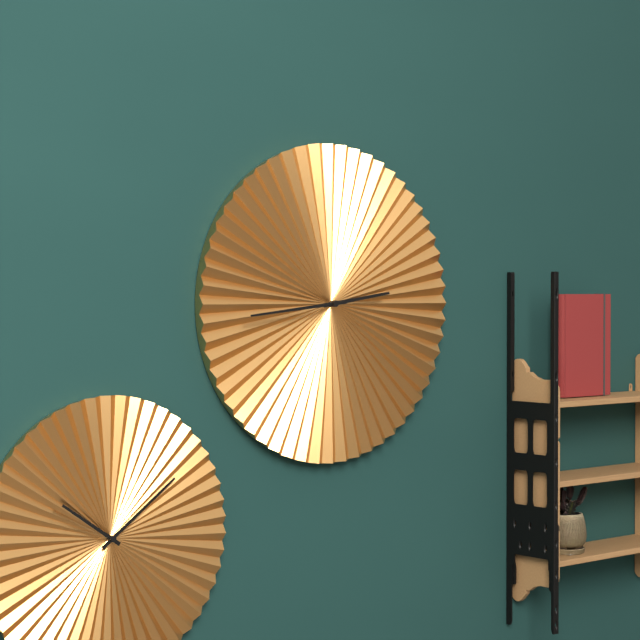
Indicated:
2.44
